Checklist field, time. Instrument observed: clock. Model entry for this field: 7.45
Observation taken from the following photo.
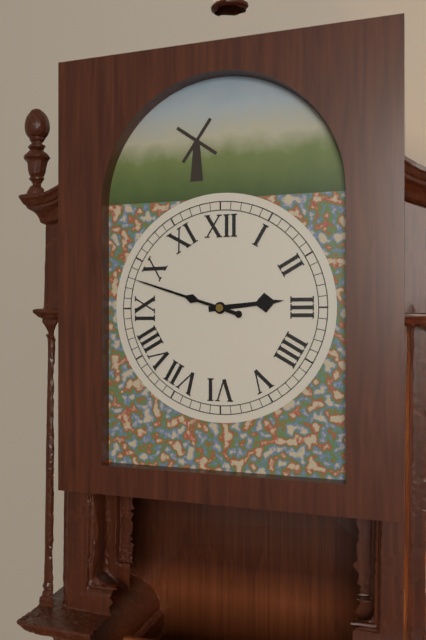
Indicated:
2.48
